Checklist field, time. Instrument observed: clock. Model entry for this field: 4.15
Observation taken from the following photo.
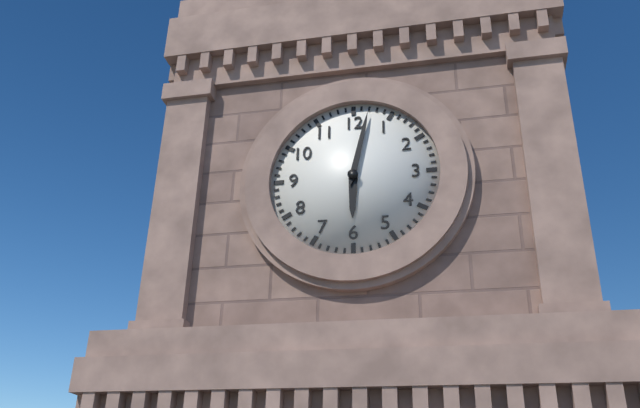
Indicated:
6.02
